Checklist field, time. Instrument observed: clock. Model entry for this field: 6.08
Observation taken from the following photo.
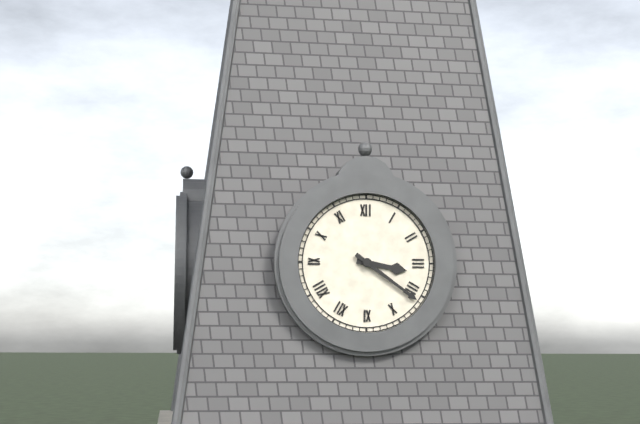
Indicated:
3.21
